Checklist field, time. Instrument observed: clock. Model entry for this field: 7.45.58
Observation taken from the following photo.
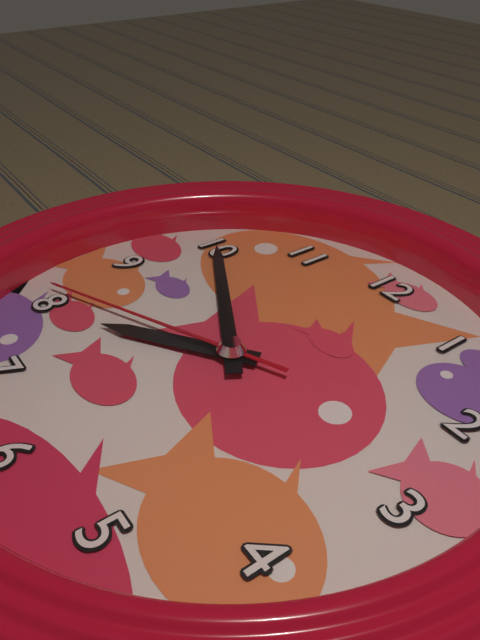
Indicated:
7.50.41
